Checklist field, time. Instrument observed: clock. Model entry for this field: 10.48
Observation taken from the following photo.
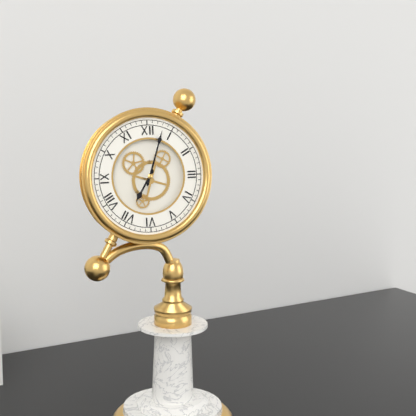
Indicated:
7.03
